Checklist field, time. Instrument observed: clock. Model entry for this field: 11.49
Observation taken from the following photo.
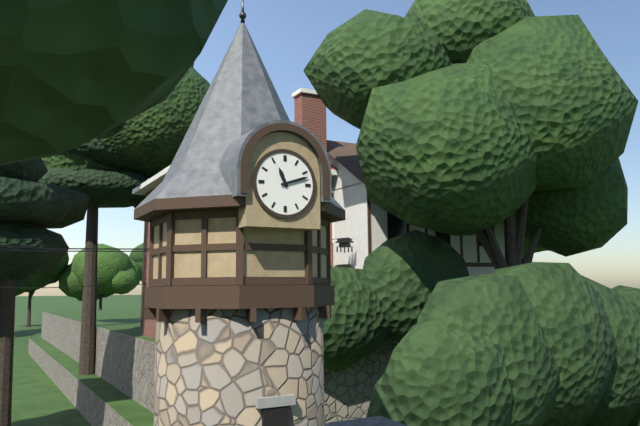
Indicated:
11.12
